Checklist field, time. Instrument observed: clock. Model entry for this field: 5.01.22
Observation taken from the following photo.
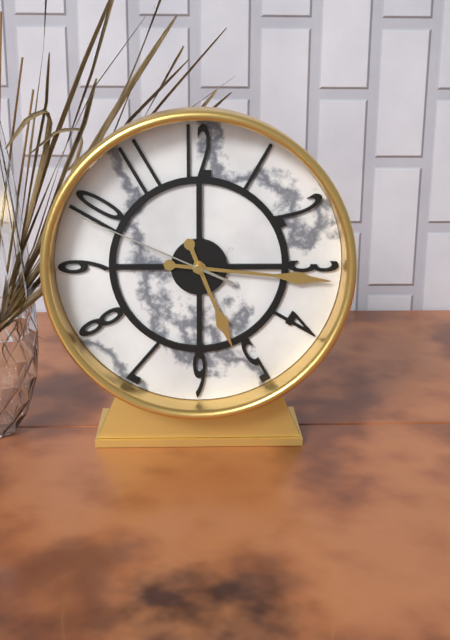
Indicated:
5.16.49
